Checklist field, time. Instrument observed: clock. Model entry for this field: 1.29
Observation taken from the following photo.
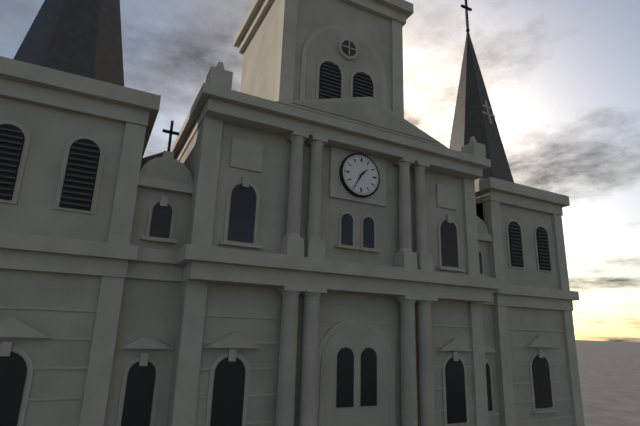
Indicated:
1.35
